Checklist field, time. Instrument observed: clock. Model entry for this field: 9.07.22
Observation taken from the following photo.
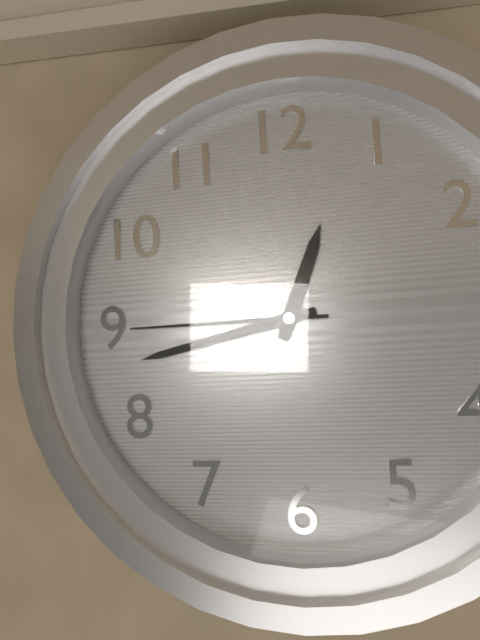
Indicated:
12.43.45
